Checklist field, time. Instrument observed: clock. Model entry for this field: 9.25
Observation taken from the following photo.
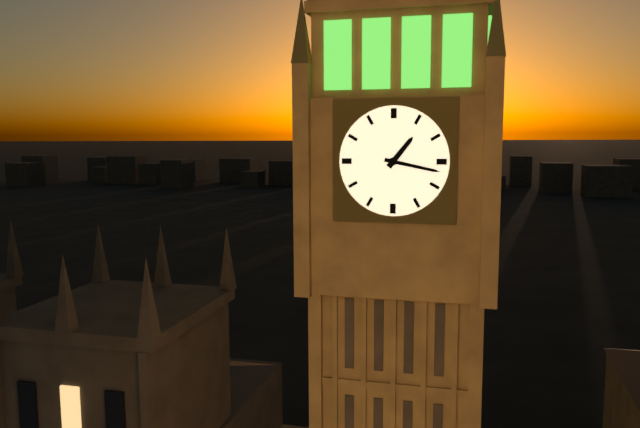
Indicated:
1.17
